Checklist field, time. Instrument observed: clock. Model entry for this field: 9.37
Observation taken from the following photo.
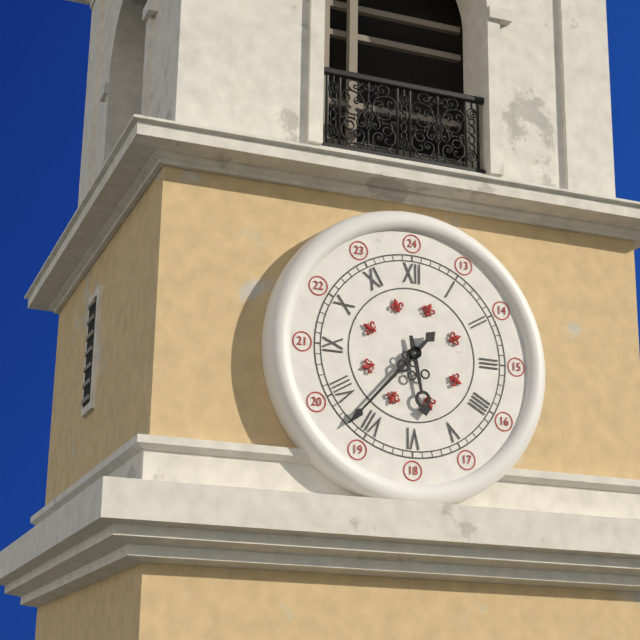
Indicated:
5.37
